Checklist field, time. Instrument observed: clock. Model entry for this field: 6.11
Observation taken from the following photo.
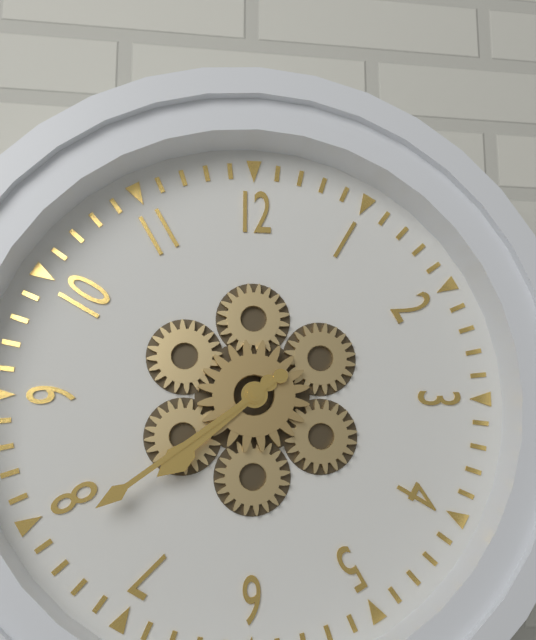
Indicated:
7.39
